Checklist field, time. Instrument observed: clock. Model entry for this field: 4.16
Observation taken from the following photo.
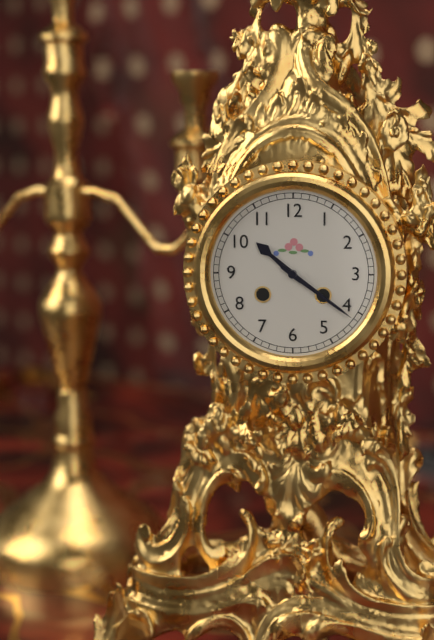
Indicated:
10.21
